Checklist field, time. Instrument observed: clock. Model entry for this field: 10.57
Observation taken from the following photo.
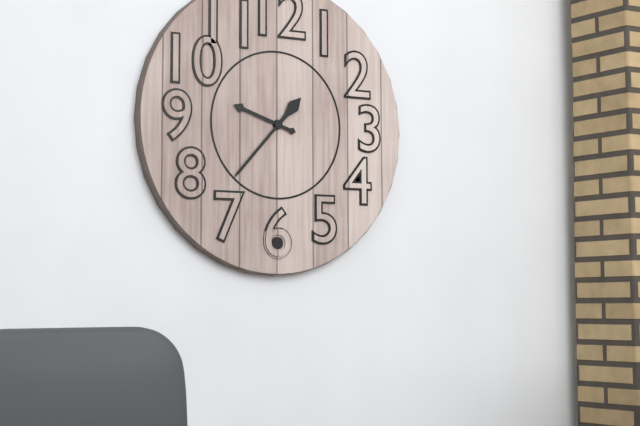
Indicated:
9.37
